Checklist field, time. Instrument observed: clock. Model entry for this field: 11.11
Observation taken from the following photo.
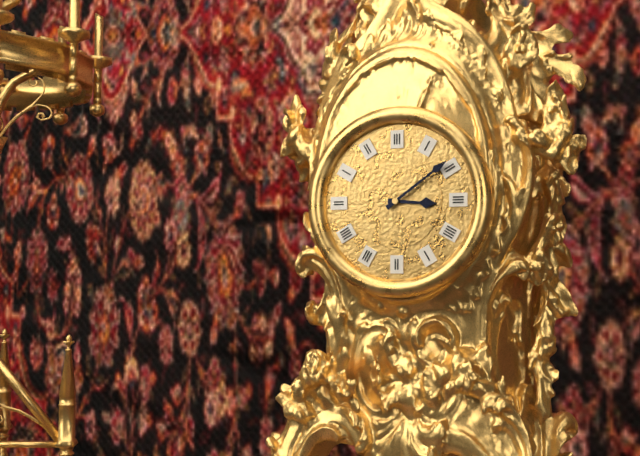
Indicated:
3.09
